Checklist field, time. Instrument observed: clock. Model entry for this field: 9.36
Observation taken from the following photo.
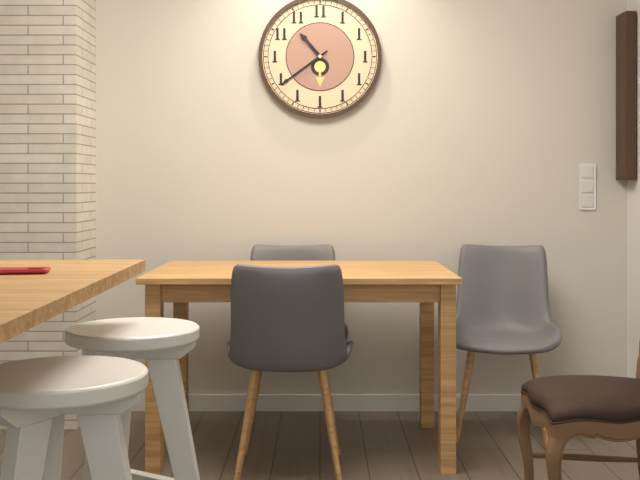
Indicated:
10.39
